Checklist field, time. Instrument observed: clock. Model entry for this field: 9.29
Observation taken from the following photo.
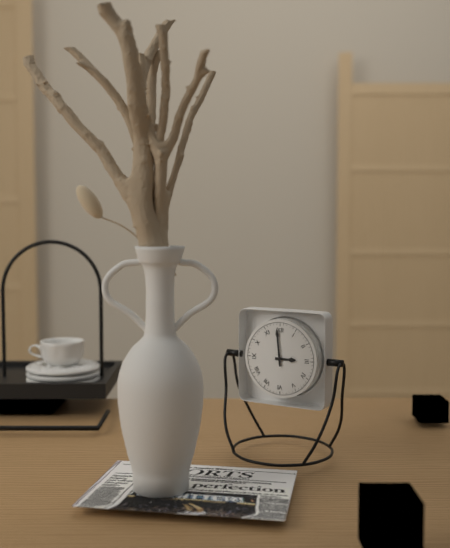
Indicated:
2.59
